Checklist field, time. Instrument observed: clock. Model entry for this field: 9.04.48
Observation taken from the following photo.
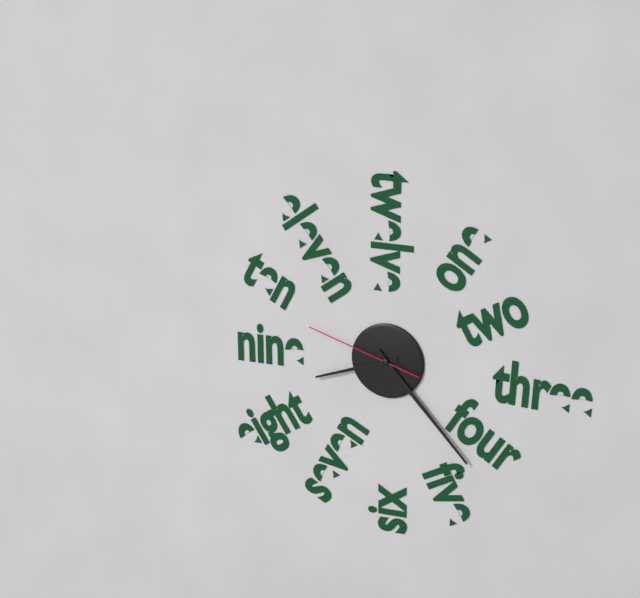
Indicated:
8.23.48
